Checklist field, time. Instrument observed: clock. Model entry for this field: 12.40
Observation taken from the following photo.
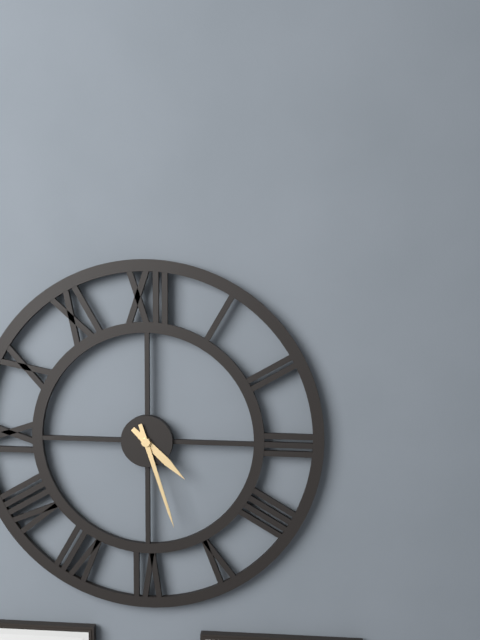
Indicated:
4.27
